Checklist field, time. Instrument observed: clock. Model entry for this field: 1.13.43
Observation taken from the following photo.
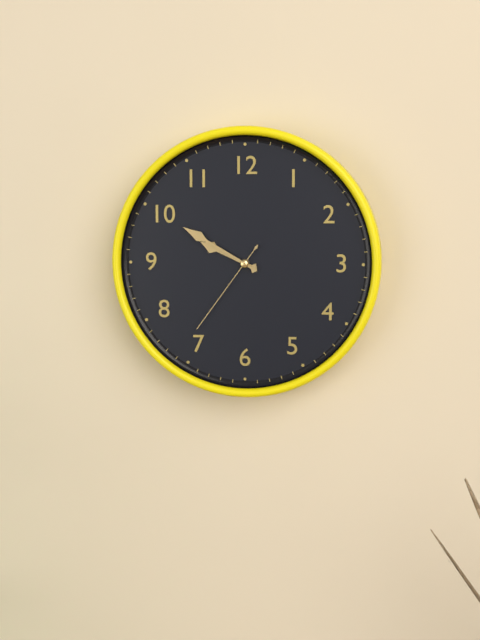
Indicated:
9.50.36
